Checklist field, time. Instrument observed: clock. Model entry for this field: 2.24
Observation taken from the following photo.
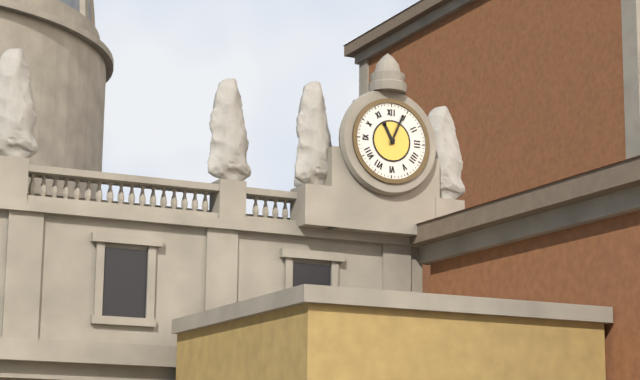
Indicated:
11.04
